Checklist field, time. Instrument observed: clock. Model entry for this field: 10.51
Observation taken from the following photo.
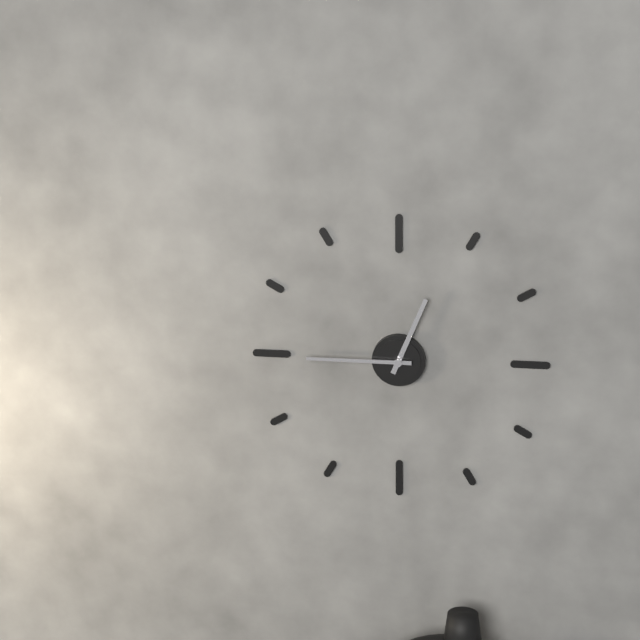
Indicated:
12.45
